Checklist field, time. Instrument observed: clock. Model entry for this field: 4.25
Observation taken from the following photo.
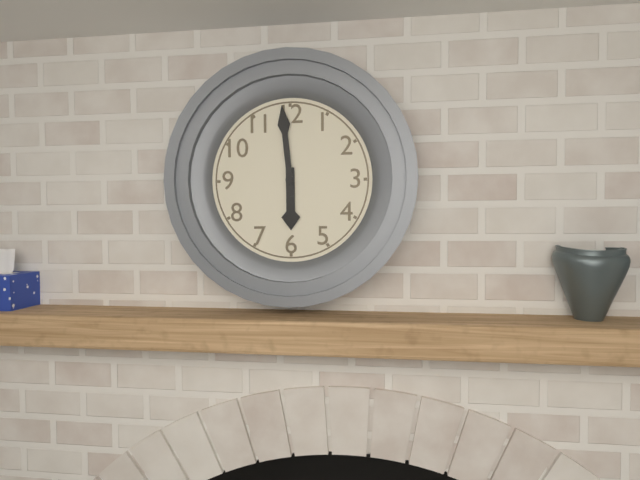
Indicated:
5.59
